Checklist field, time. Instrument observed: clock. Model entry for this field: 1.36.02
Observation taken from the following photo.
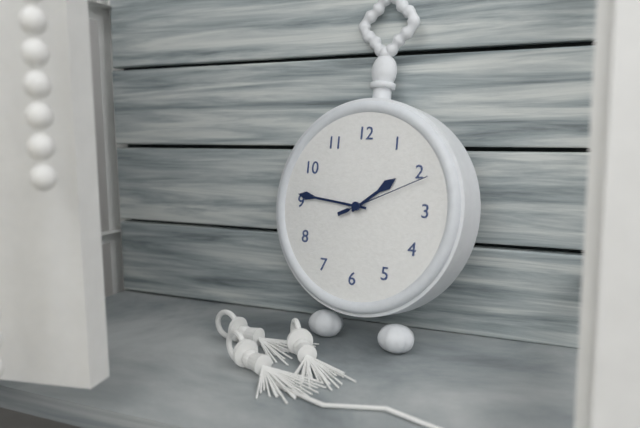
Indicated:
1.46.11
